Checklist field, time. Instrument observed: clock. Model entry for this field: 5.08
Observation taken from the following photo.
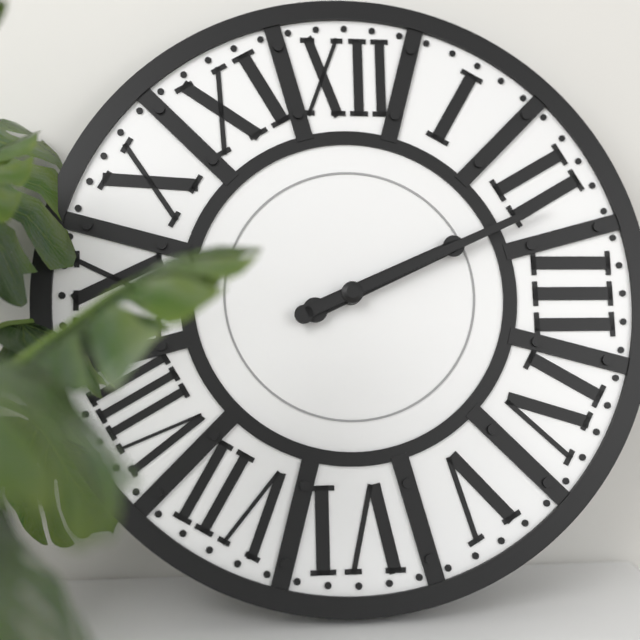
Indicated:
2.11
